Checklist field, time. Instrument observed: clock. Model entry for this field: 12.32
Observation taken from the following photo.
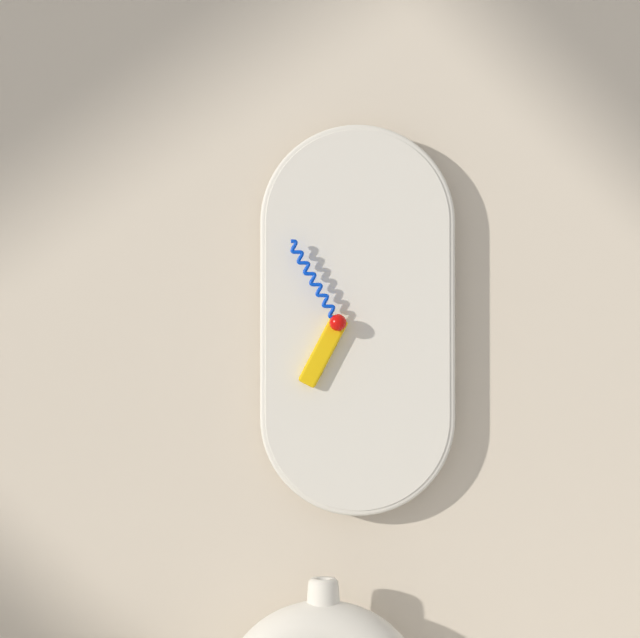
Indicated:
6.55
